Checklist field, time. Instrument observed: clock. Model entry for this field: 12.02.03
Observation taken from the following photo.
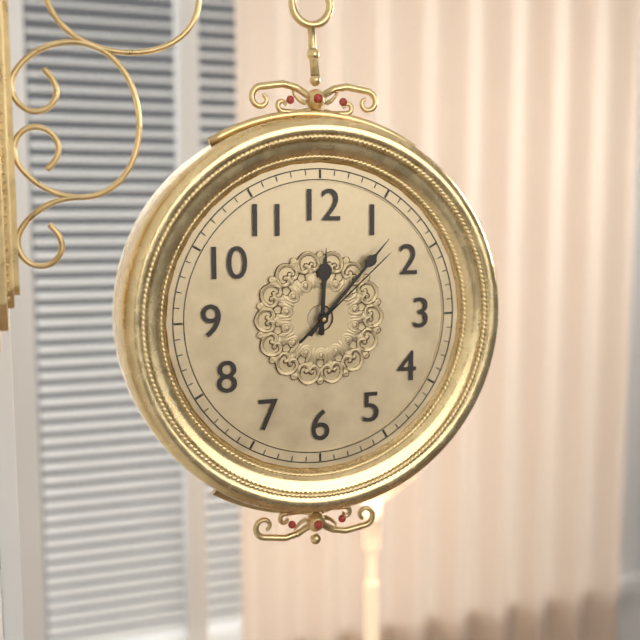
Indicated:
12.07.08
